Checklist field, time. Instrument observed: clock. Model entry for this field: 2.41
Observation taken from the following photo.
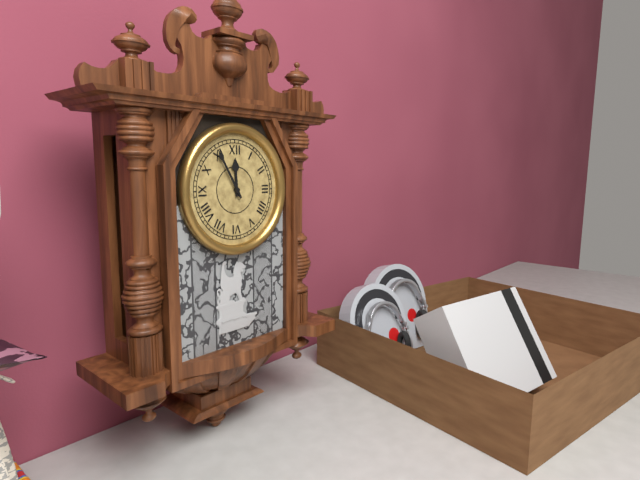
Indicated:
11.55
